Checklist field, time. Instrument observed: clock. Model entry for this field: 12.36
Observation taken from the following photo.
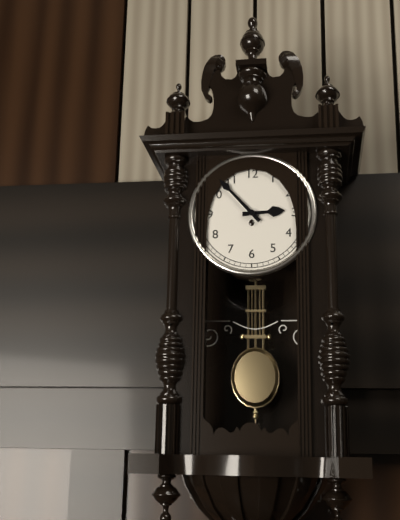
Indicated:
2.53
